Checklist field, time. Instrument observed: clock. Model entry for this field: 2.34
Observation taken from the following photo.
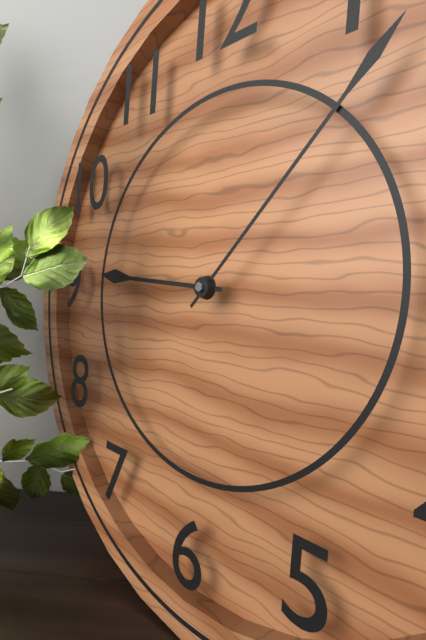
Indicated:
9.07
